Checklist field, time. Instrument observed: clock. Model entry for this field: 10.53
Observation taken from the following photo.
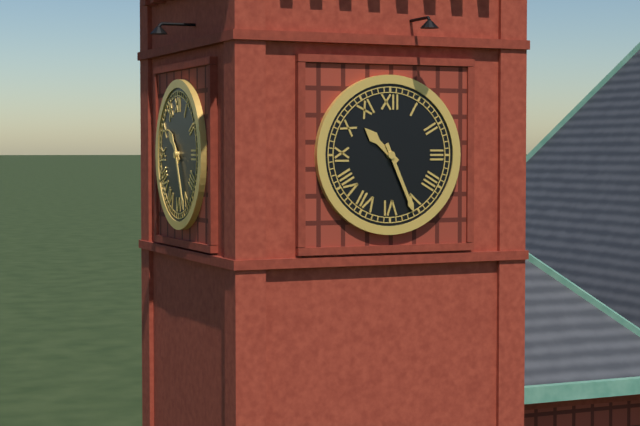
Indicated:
10.26
